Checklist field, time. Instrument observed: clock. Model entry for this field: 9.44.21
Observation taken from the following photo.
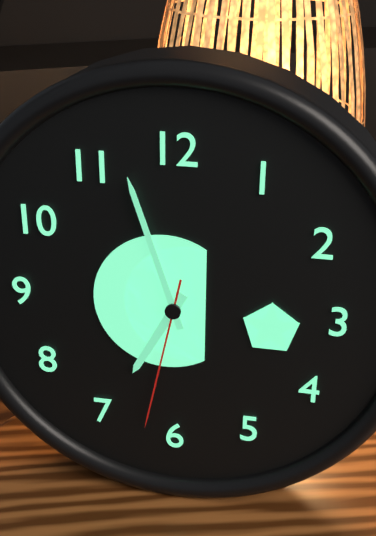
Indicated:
6.57.32
